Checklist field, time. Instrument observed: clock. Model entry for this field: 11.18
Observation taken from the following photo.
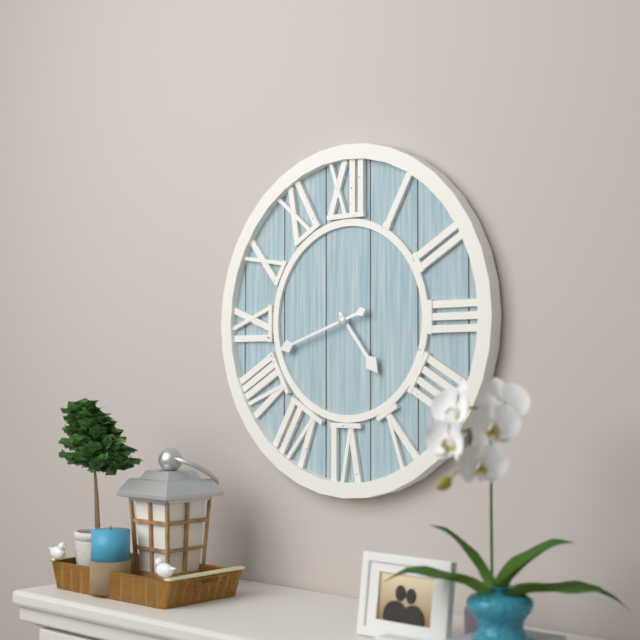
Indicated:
4.42
